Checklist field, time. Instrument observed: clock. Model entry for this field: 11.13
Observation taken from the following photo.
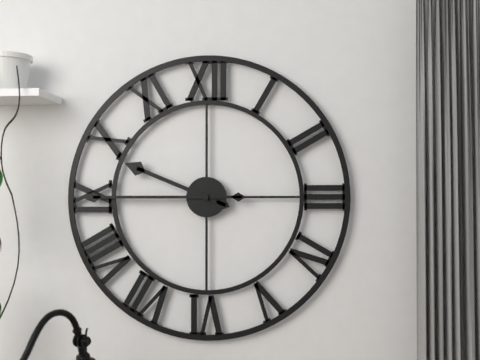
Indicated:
9.45
